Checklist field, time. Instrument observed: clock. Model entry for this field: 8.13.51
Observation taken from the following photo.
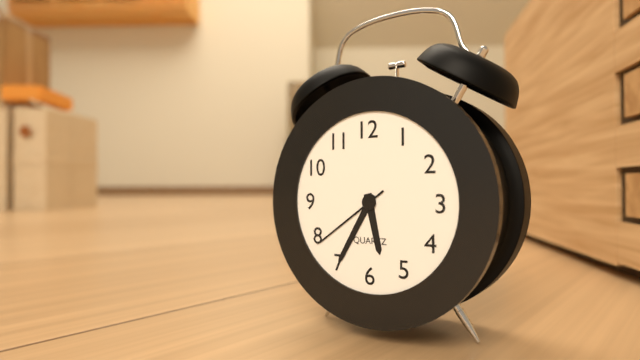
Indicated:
5.35.39
